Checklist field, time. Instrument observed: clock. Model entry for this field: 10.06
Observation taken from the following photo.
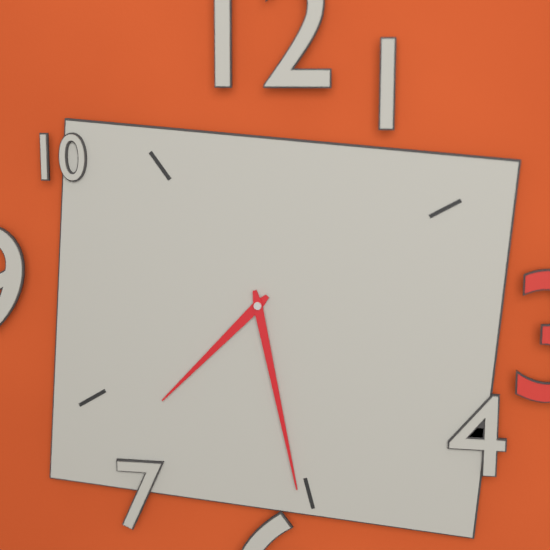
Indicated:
7.28
